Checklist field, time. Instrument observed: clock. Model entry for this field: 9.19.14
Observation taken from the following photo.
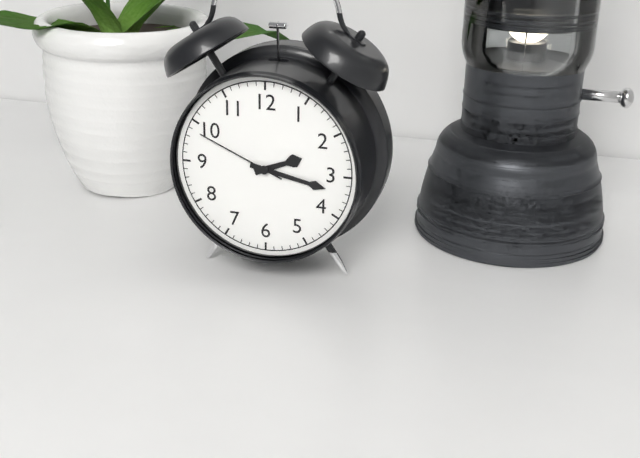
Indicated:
2.17.49
